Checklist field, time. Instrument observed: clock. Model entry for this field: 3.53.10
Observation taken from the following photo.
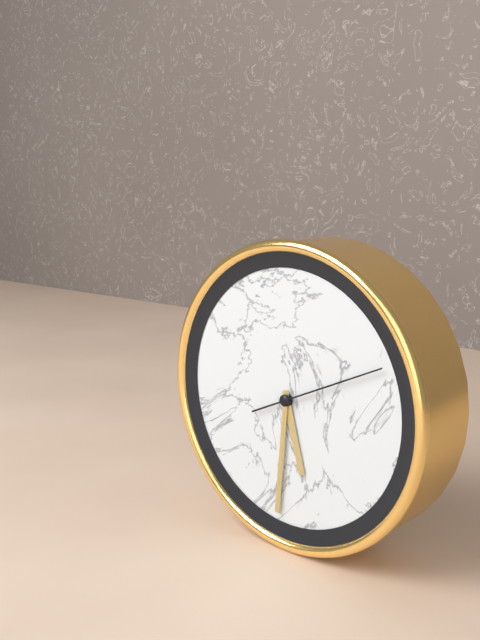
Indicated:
5.31.11
